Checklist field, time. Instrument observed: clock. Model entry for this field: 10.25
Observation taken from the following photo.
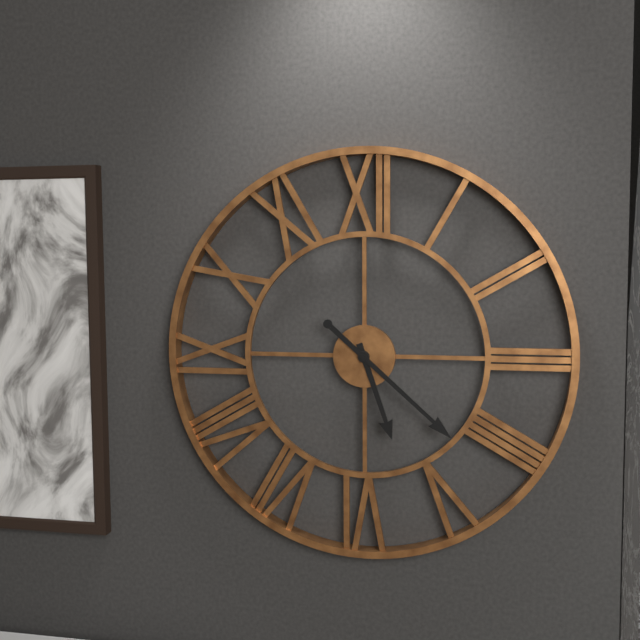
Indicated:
5.22
